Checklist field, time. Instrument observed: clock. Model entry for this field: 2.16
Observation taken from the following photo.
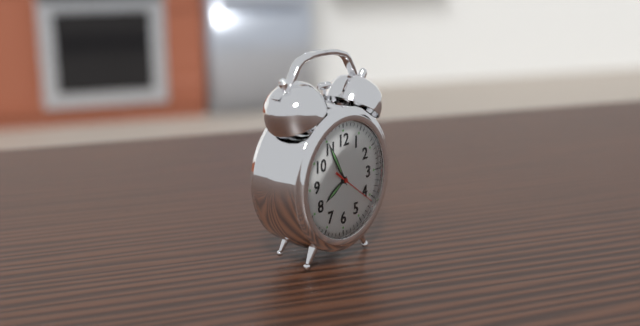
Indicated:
7.55
